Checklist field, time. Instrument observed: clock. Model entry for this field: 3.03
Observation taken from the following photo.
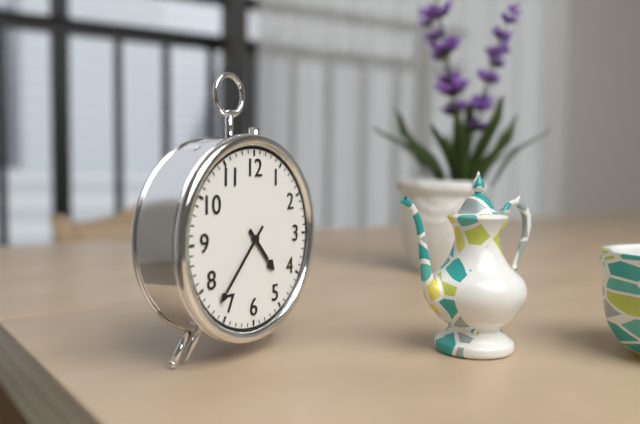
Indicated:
4.37
